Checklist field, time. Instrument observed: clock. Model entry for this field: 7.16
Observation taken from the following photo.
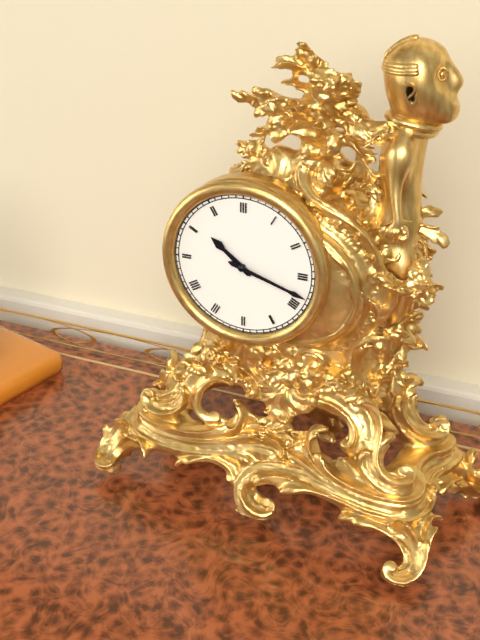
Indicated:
10.18
